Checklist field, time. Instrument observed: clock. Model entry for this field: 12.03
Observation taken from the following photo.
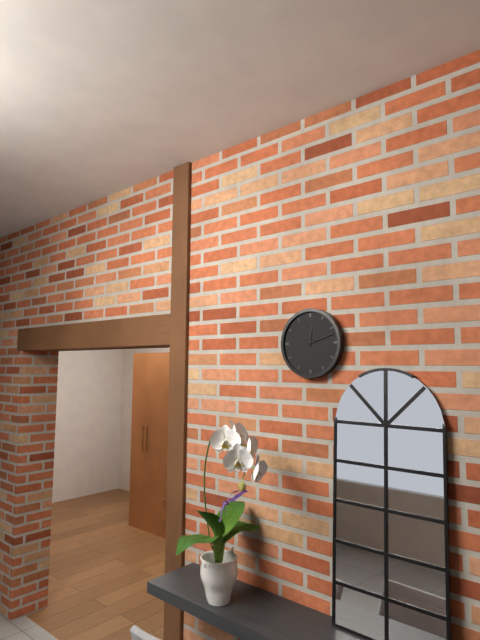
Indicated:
12.12
